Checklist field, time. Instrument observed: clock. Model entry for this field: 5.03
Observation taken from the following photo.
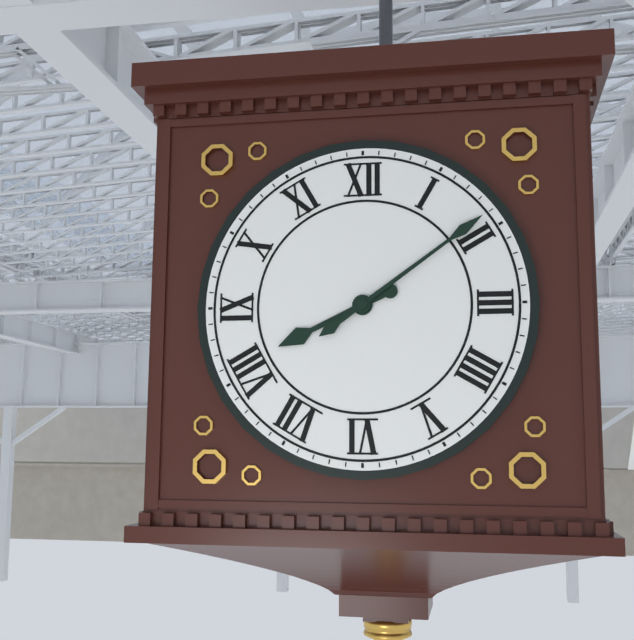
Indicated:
8.09
